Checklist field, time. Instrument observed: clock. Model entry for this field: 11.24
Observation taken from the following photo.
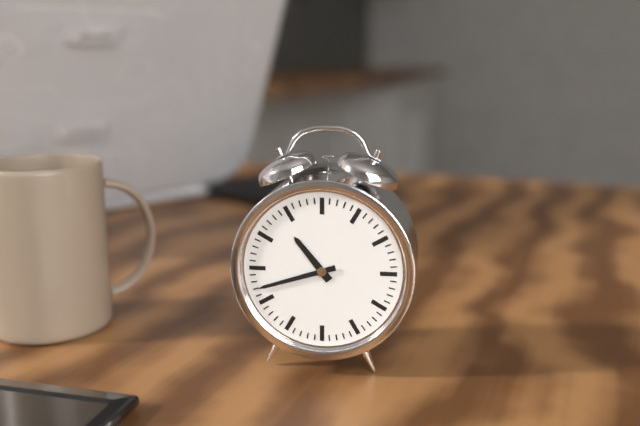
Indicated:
10.42
